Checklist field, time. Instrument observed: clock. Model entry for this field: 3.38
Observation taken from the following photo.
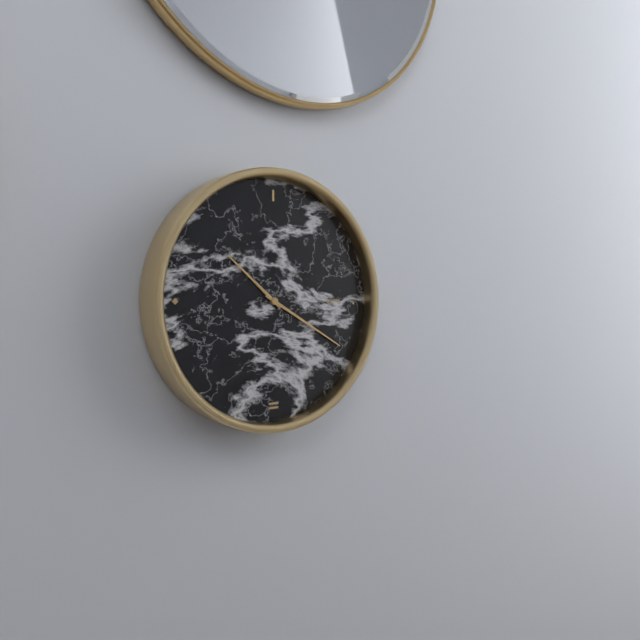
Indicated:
10.20
